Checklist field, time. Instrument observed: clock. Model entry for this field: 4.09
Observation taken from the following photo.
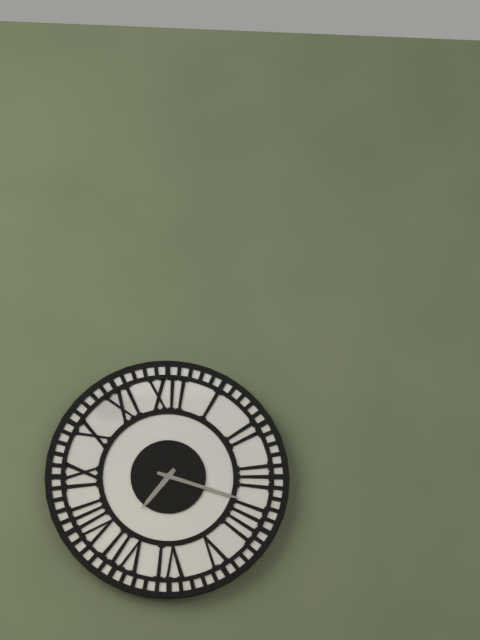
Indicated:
7.18
